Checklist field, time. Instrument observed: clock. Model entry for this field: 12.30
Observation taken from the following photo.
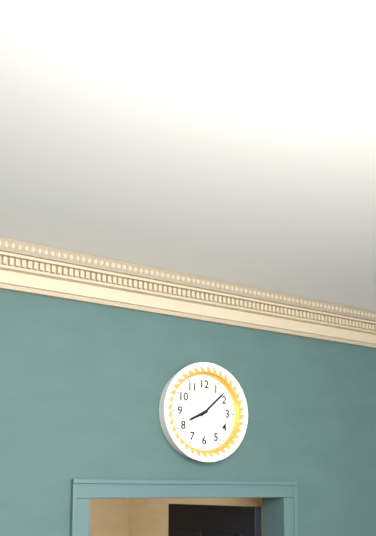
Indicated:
8.08
